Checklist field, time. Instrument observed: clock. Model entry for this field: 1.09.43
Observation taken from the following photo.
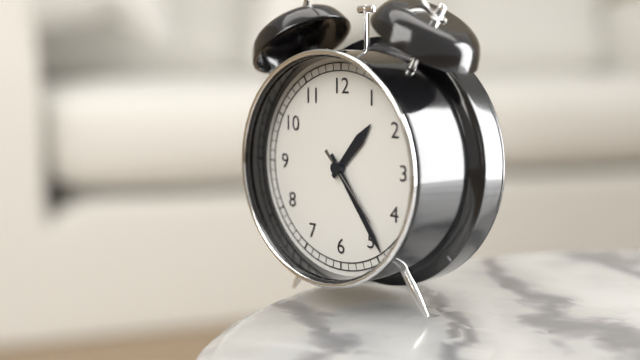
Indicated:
1.24.23
